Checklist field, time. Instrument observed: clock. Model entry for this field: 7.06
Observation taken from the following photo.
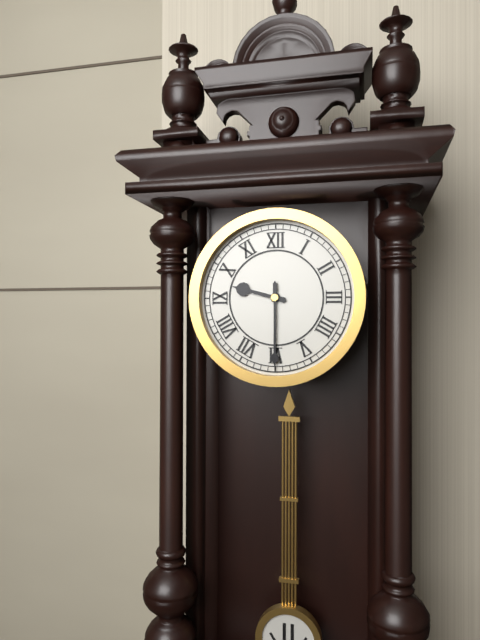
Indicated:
9.30
